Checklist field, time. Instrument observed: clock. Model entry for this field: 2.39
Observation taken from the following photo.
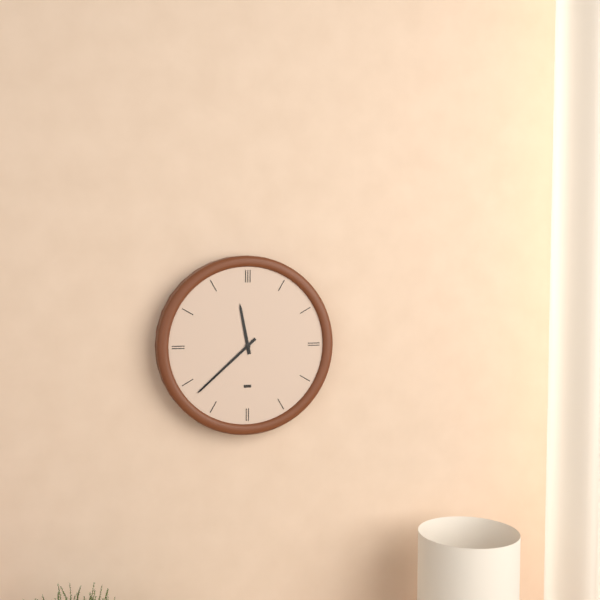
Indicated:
11.38
